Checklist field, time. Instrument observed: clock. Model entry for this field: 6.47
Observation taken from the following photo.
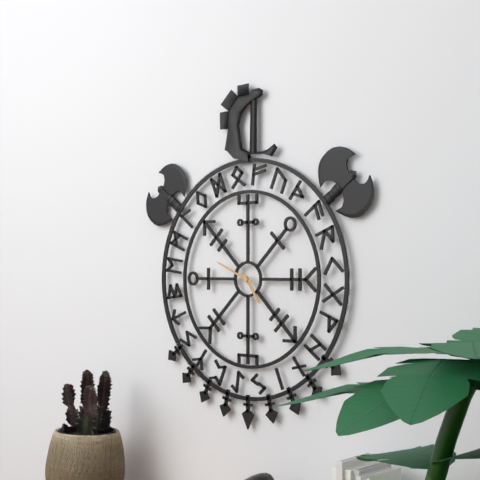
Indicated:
4.49
